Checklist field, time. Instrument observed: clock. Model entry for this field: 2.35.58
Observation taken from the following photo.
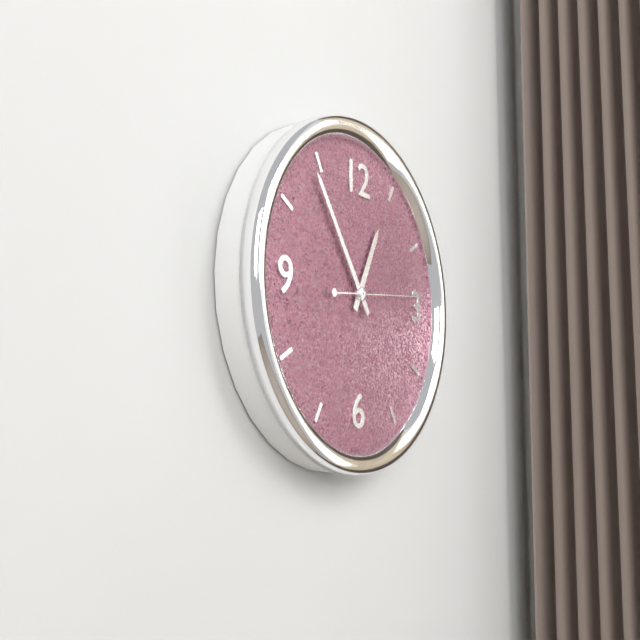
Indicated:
12.54.14
